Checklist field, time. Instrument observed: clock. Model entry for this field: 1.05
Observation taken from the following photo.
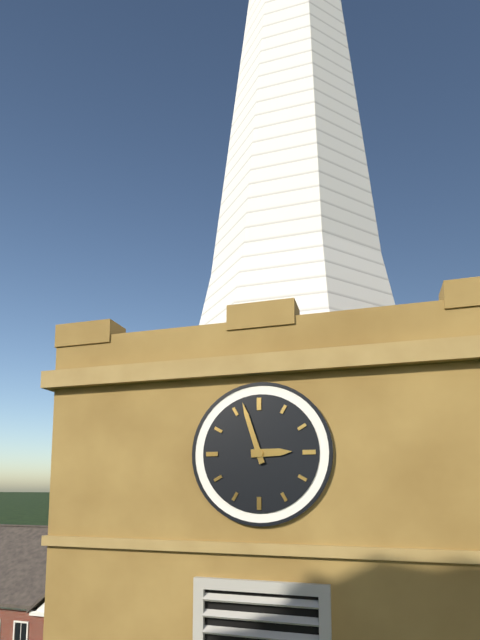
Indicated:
2.57
